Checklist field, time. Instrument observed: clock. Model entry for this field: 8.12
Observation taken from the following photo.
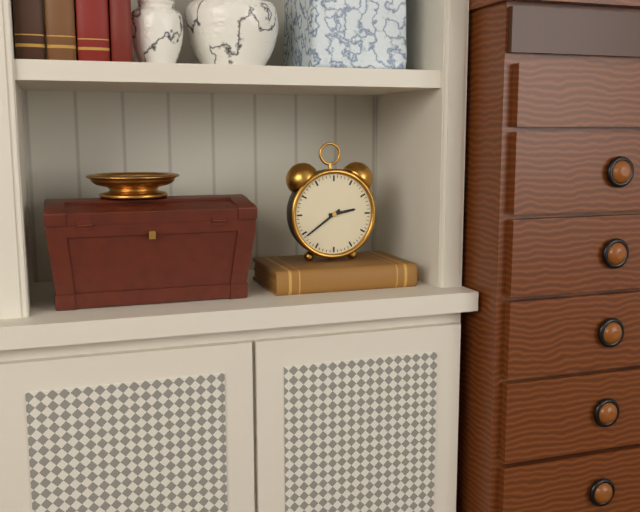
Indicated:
2.39
